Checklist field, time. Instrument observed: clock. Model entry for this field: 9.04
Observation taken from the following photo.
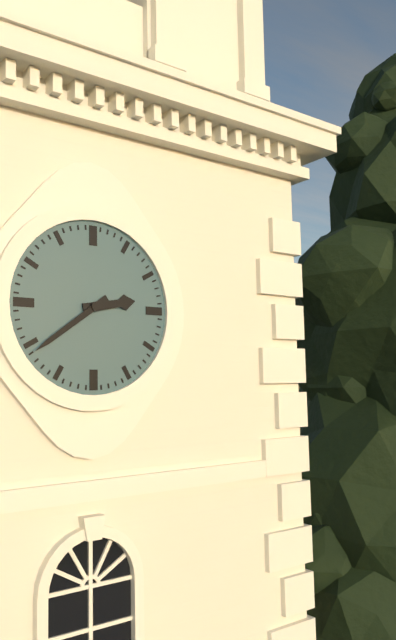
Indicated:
2.39
